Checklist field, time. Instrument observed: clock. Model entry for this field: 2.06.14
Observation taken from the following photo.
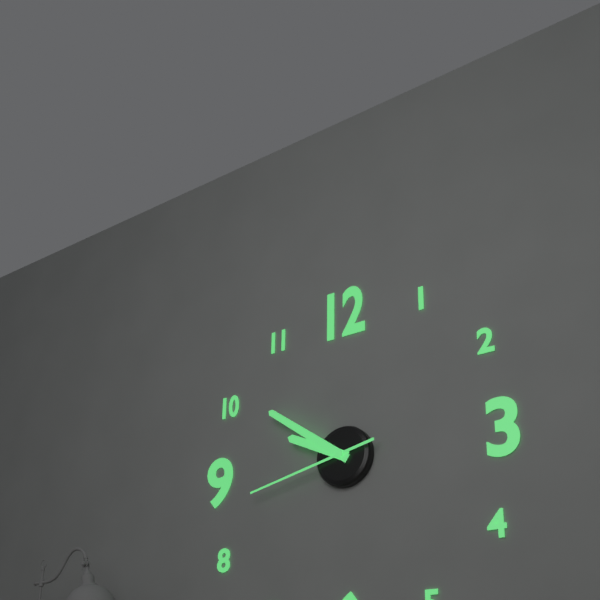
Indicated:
9.51.43
